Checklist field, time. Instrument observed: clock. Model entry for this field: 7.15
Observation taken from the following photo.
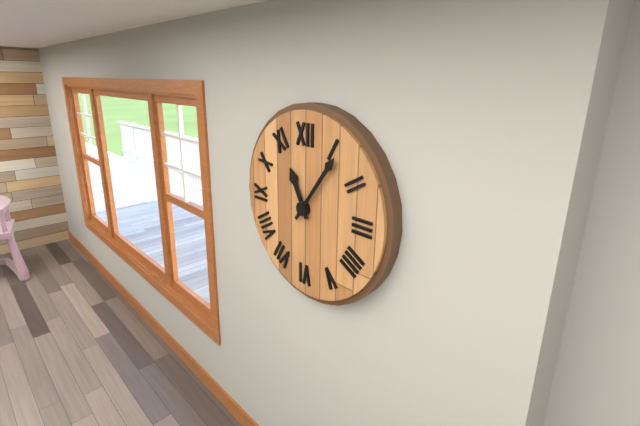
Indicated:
11.06
